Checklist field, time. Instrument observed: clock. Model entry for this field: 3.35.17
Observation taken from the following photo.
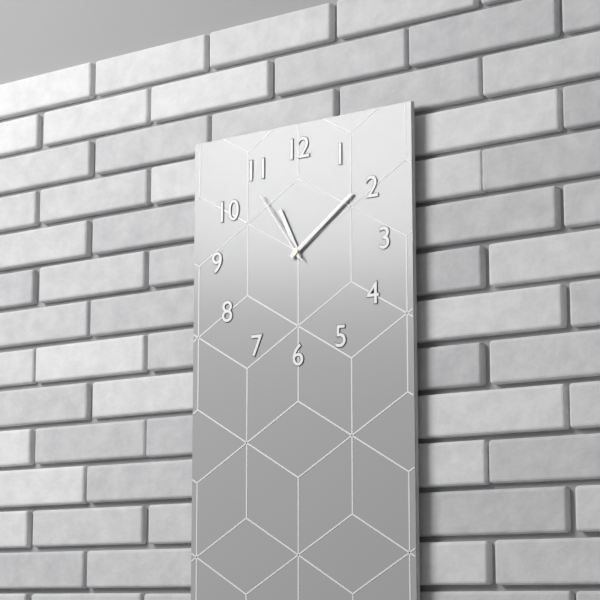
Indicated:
11.09.54
